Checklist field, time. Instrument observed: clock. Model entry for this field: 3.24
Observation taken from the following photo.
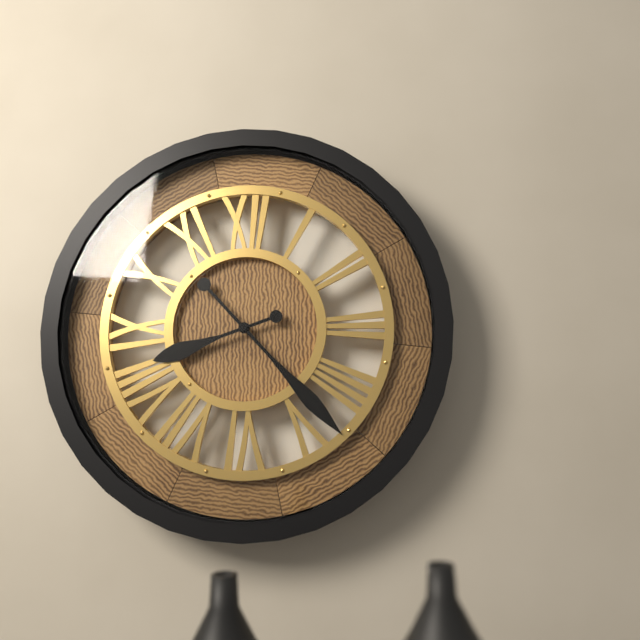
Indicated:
8.23
